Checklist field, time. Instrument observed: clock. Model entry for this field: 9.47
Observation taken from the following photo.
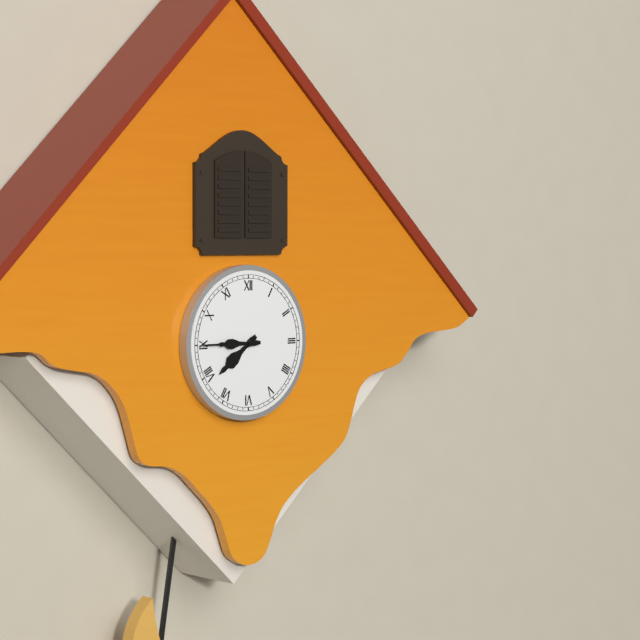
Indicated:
7.45
